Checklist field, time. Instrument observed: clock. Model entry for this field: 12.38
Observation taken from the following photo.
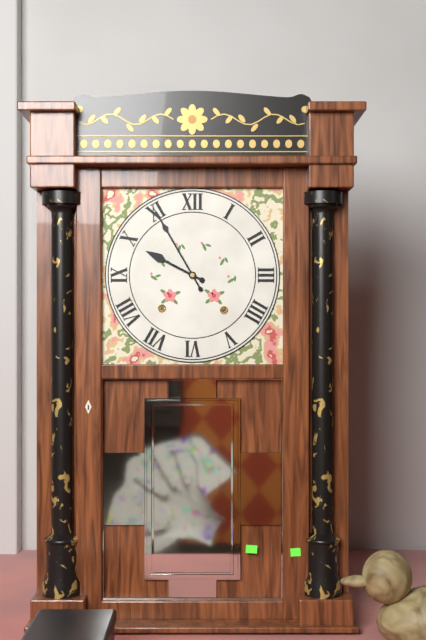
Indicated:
9.55
